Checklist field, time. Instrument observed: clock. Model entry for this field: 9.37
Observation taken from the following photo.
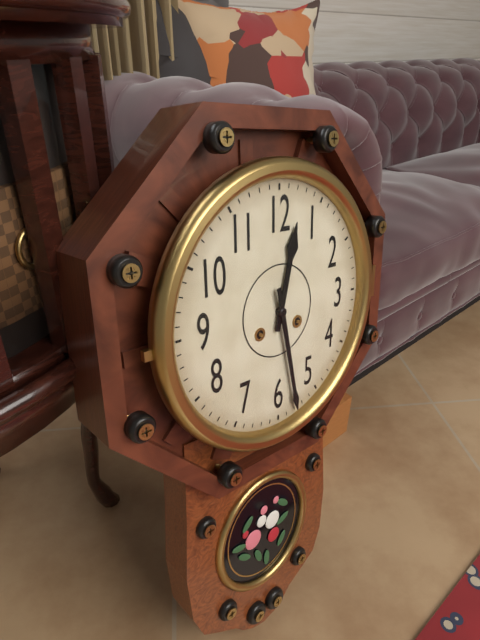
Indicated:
12.28
